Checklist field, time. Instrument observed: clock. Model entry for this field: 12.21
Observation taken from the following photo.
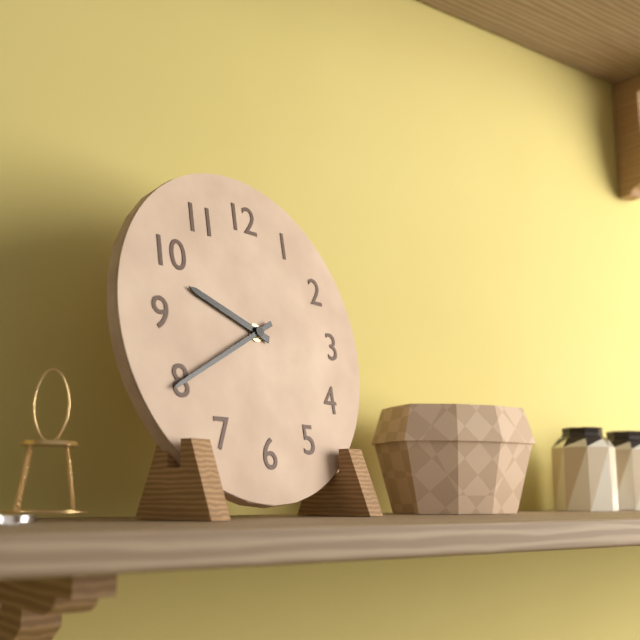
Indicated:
9.40
